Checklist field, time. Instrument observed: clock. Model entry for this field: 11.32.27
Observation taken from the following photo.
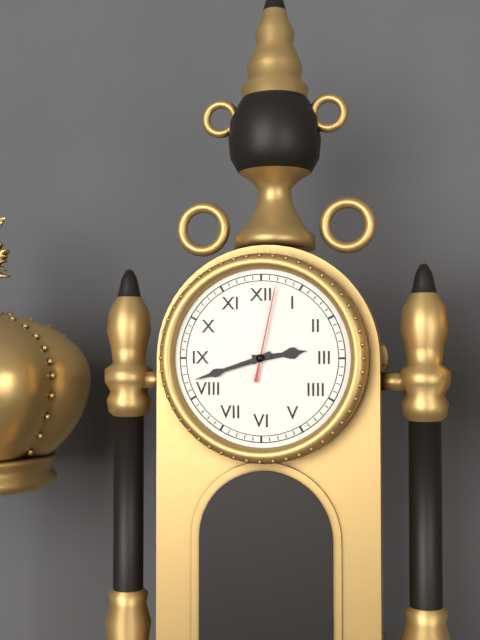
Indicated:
2.42.02
